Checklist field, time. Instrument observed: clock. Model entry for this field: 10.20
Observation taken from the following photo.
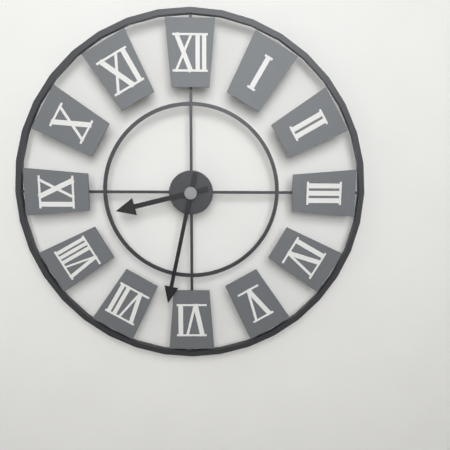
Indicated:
8.32
